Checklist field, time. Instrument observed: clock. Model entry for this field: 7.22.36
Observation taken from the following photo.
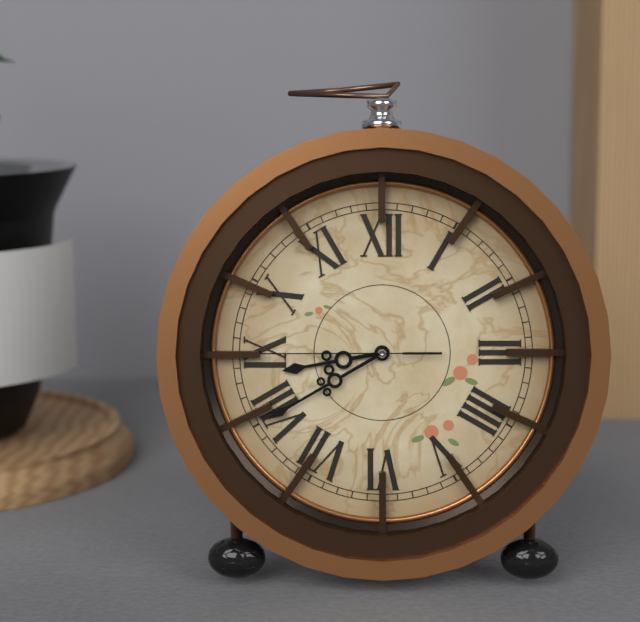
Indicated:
8.40.45
